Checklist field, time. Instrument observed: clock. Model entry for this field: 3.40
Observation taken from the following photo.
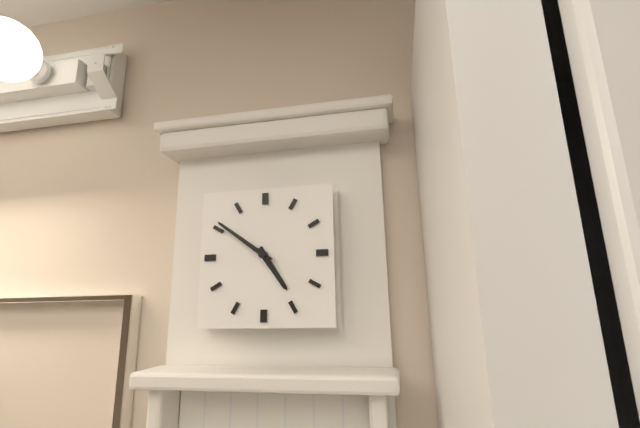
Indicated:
4.51
